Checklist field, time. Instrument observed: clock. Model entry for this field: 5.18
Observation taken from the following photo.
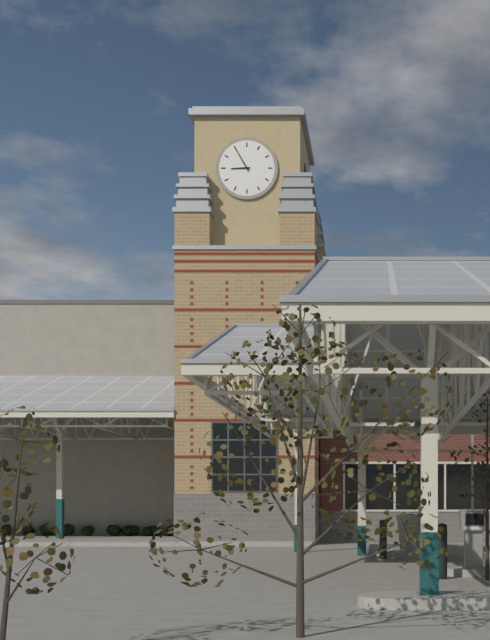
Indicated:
8.55
